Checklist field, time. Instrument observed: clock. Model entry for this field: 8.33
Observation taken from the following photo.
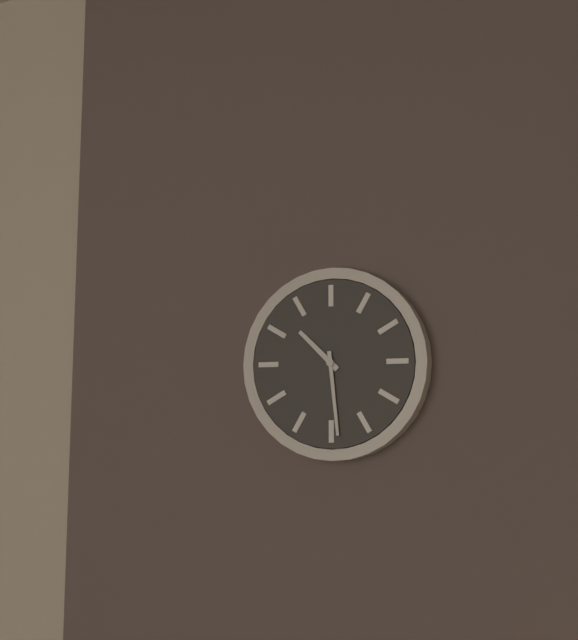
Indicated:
10.29
